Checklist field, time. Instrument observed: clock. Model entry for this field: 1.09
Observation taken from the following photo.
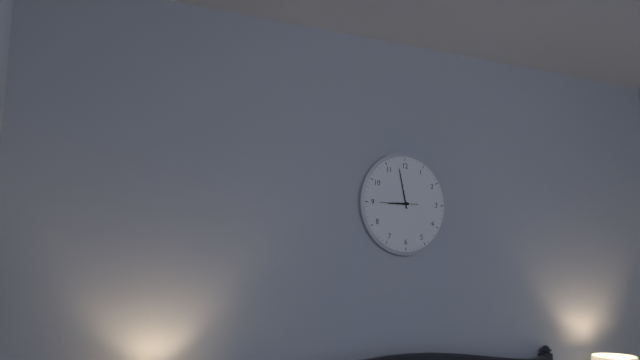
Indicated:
8.58
